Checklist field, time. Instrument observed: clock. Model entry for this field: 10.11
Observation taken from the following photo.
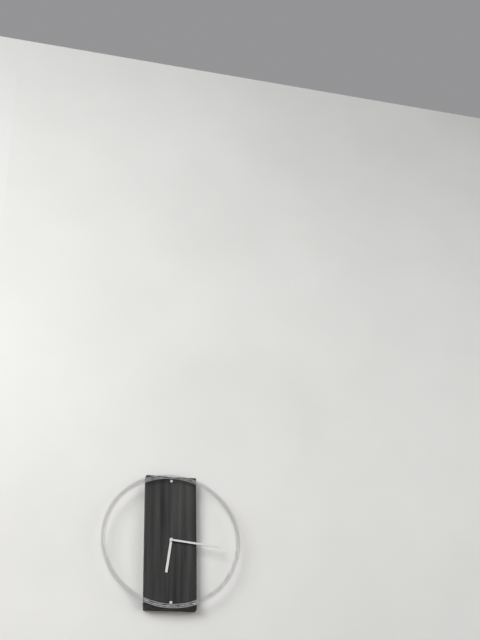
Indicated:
6.16
